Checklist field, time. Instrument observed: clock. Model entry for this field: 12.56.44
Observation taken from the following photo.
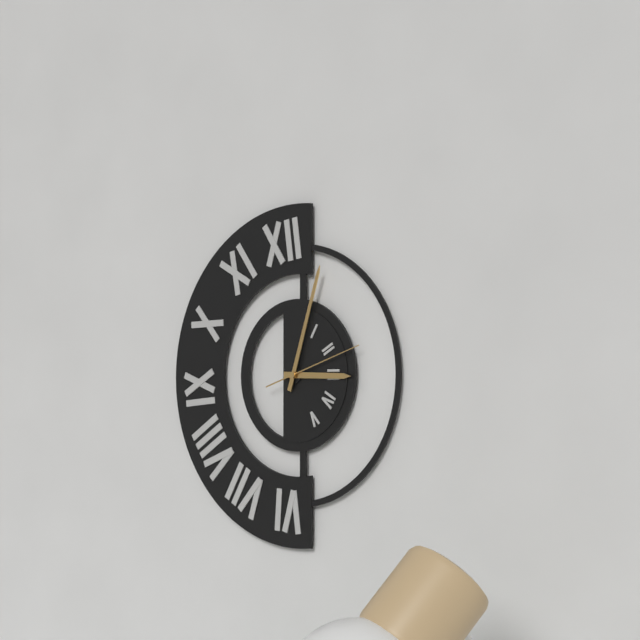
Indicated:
3.03.12
